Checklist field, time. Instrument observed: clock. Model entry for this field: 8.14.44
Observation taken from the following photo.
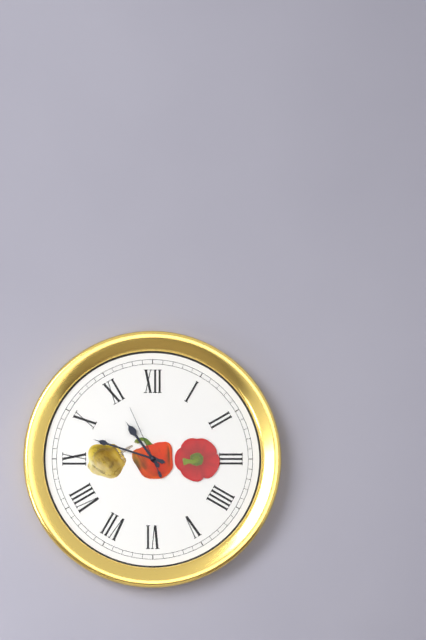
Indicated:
10.48.56
